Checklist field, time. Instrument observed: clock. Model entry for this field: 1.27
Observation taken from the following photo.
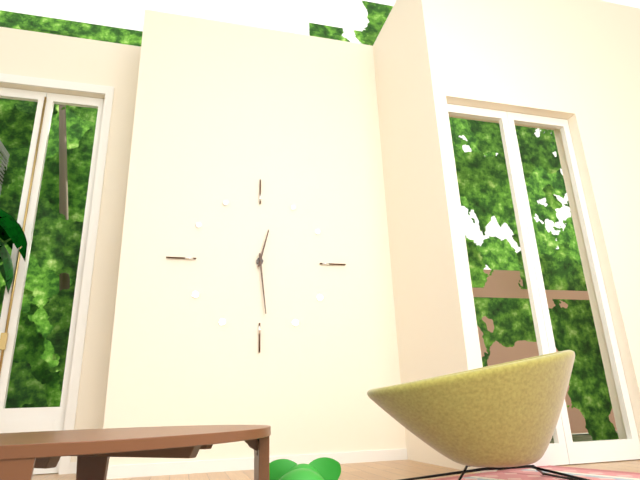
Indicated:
12.29
